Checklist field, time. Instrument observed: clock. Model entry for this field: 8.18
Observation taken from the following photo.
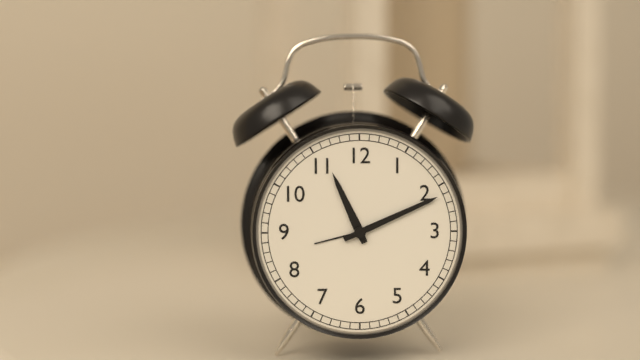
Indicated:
11.11
